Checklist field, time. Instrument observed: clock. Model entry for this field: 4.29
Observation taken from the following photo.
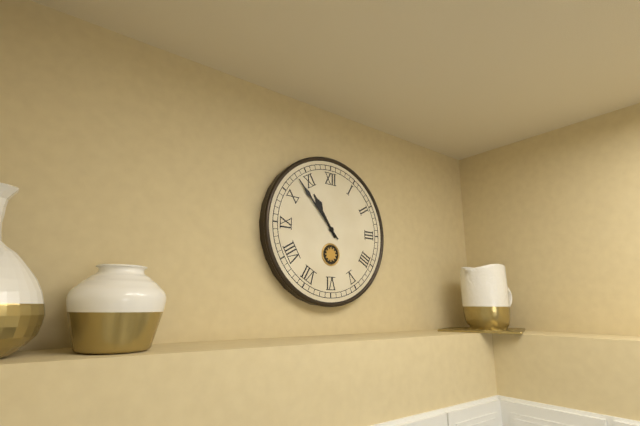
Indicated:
10.53
